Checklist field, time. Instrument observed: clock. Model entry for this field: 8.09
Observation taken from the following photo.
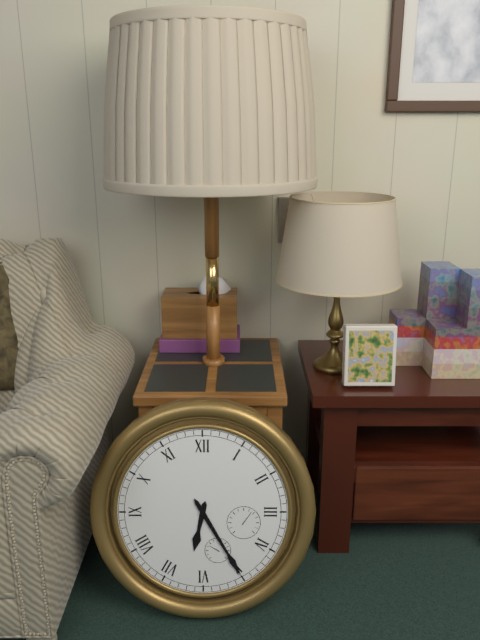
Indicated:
6.25
